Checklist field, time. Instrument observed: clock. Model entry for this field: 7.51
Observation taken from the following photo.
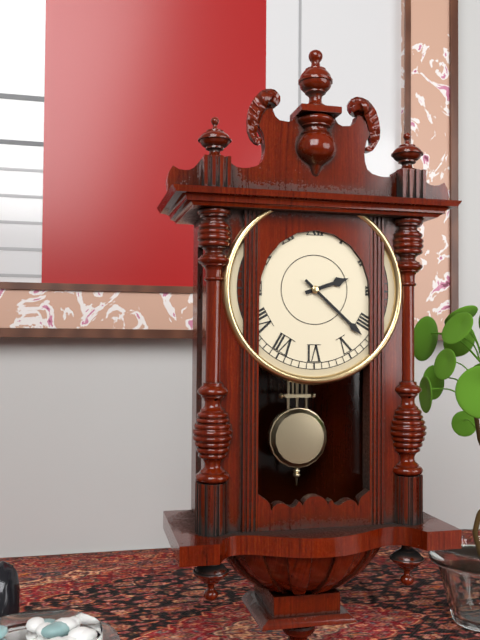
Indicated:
2.22
